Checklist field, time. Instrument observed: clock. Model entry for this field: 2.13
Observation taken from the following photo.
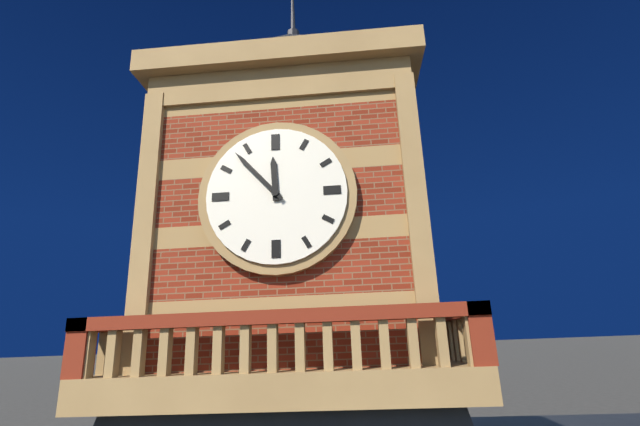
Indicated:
11.53
